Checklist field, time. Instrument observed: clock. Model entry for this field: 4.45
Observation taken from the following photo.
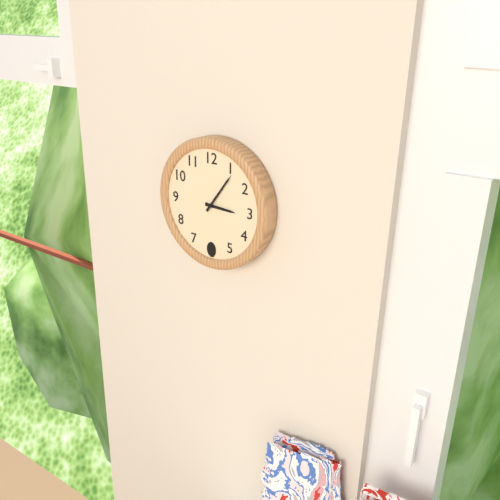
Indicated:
3.06
